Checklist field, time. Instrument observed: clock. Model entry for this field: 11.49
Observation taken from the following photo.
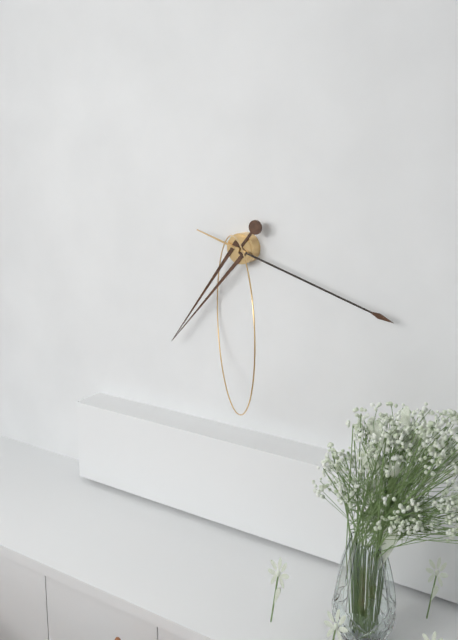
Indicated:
7.18
